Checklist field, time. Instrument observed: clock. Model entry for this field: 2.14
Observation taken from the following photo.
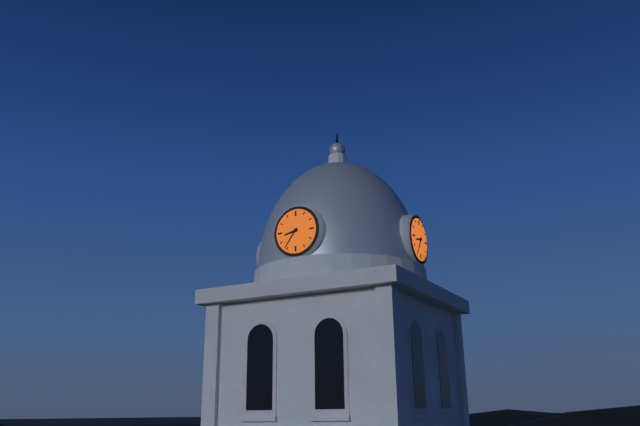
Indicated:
8.36
